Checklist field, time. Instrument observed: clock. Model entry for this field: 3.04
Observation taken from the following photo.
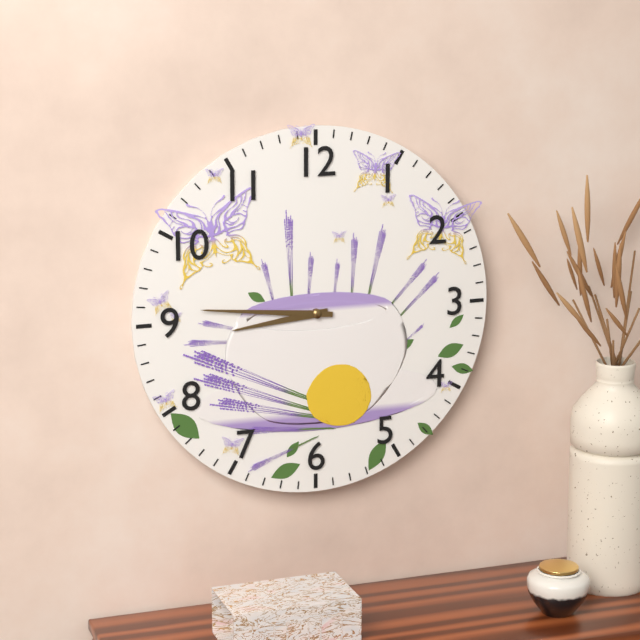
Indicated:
8.46
